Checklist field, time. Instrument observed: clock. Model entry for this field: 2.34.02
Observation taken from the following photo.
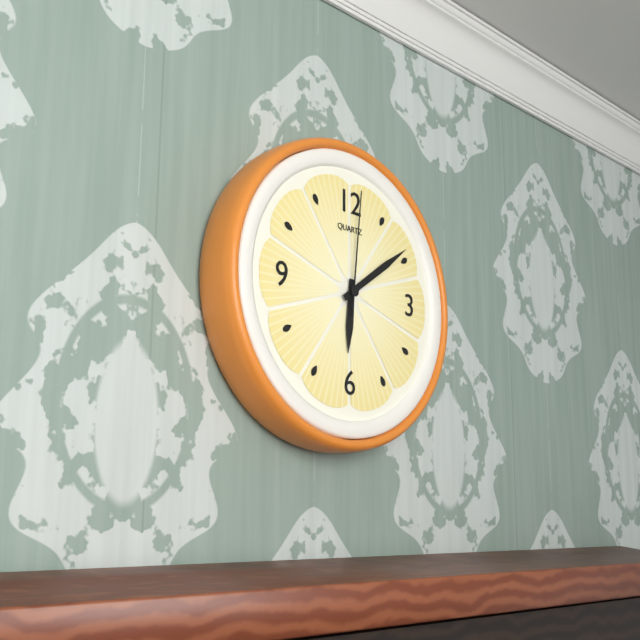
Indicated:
6.09.01
